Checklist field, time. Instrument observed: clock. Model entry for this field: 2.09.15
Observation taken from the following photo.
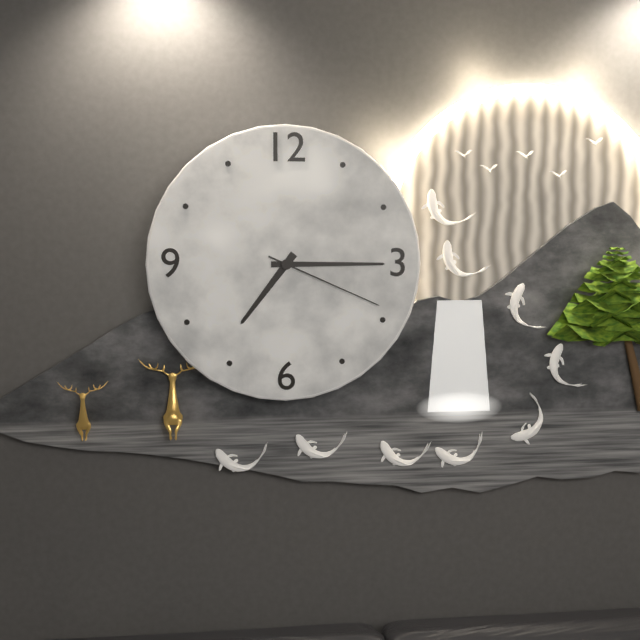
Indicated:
7.15.19
